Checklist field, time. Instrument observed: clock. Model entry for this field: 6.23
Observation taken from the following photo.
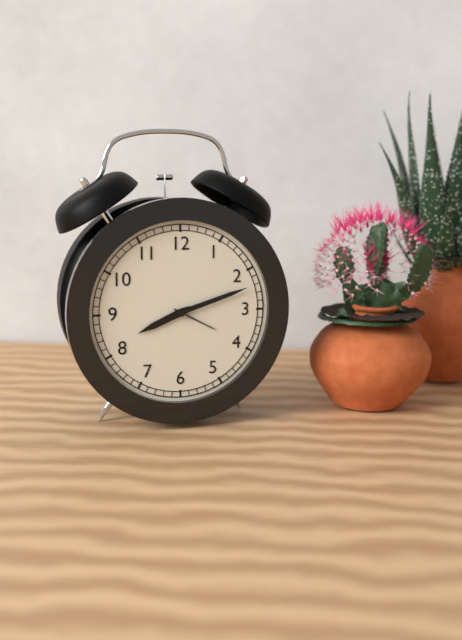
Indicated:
8.12
